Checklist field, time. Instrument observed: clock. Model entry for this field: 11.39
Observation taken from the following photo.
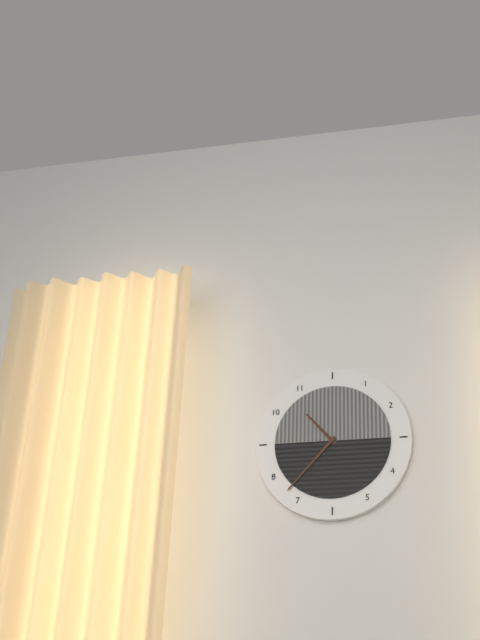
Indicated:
10.37
